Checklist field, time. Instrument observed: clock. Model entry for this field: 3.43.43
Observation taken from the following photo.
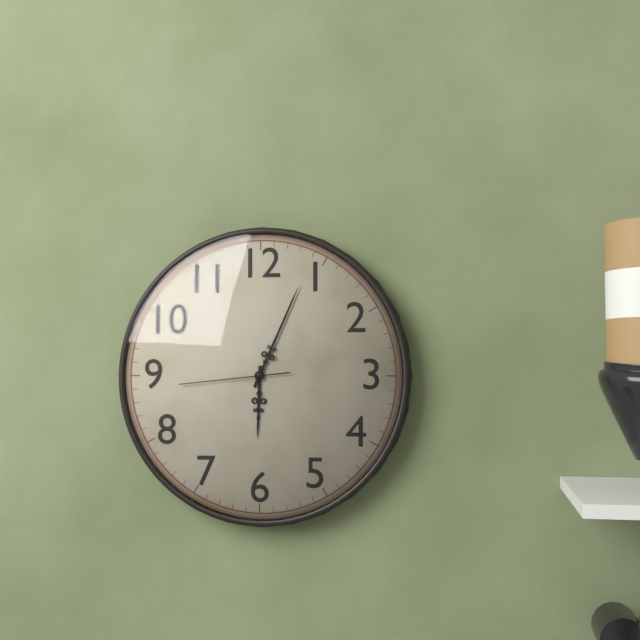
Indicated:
6.04.44
